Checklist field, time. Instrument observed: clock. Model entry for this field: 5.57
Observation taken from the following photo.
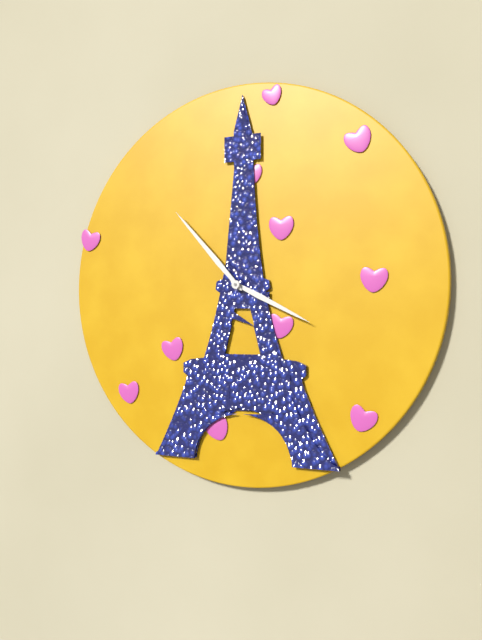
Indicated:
3.53
